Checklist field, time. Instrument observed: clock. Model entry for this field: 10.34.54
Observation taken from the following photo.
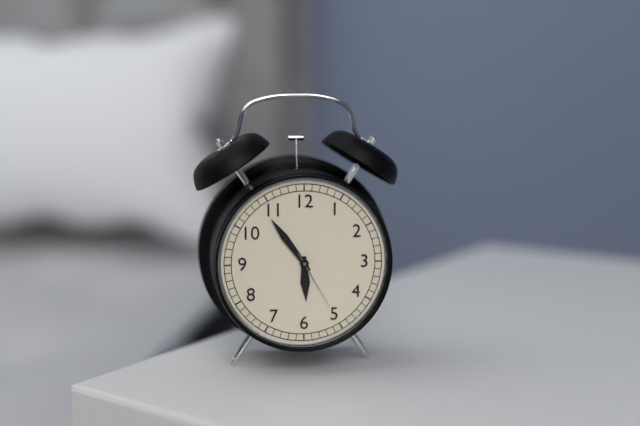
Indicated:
5.54.25
